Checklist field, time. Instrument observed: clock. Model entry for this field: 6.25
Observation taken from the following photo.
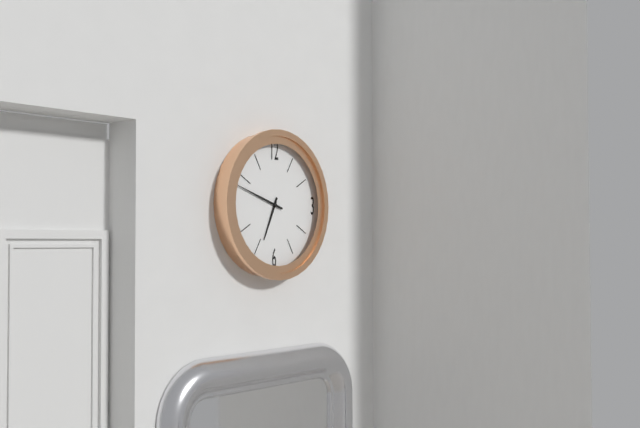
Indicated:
6.48
